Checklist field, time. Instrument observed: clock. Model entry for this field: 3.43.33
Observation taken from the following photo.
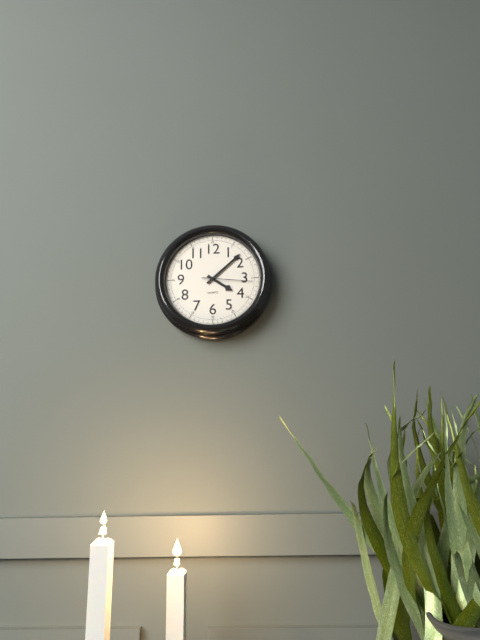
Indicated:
4.08.16
